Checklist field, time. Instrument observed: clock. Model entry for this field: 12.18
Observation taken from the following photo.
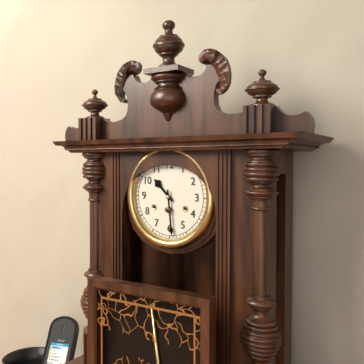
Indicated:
10.29
